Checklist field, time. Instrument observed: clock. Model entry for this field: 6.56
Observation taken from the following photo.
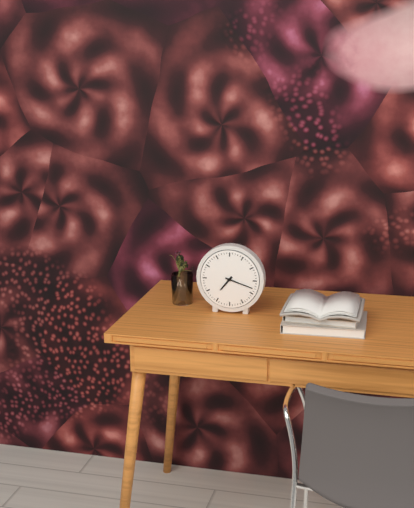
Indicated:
7.18
